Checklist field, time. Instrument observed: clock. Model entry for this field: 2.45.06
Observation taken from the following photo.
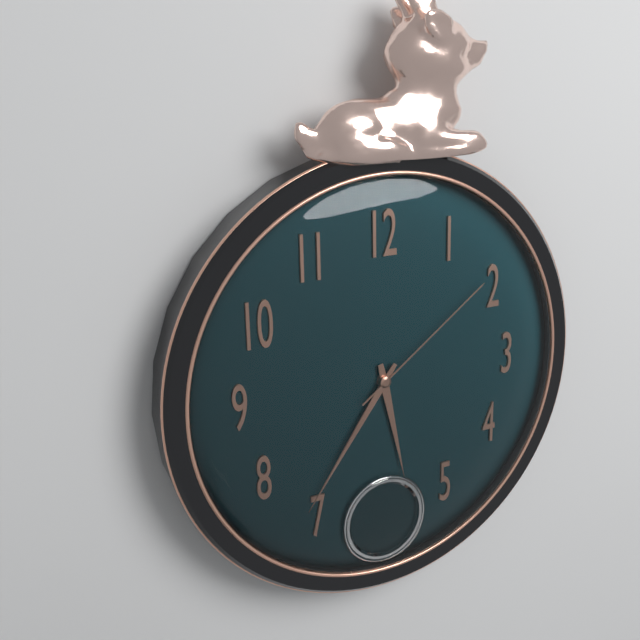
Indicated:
5.36.09
